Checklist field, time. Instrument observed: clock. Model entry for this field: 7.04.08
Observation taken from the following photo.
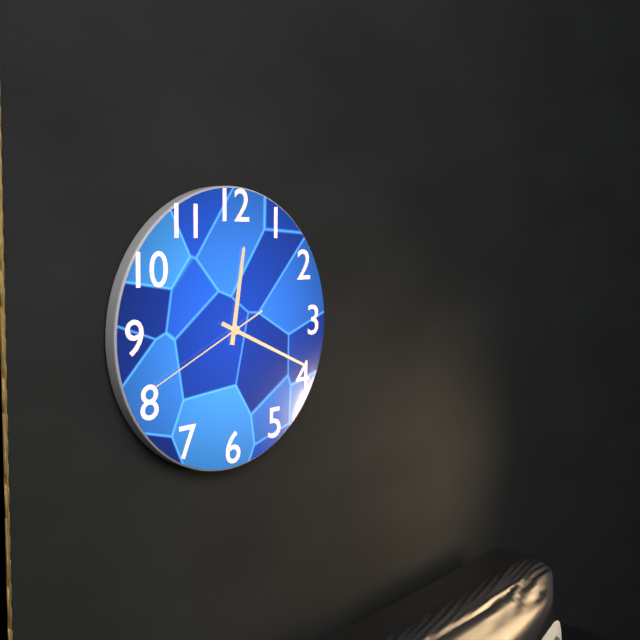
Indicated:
12.19.41
